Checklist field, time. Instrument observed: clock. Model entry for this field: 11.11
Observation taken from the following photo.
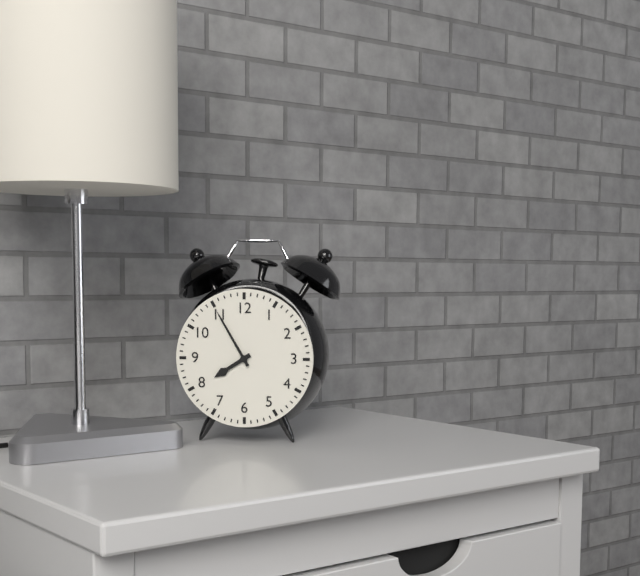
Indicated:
7.55
